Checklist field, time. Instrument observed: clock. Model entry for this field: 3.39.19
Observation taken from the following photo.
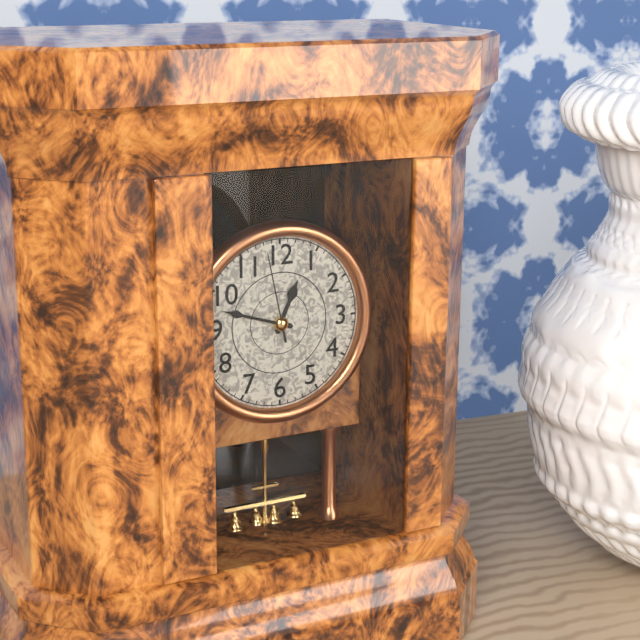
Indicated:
12.48.58
